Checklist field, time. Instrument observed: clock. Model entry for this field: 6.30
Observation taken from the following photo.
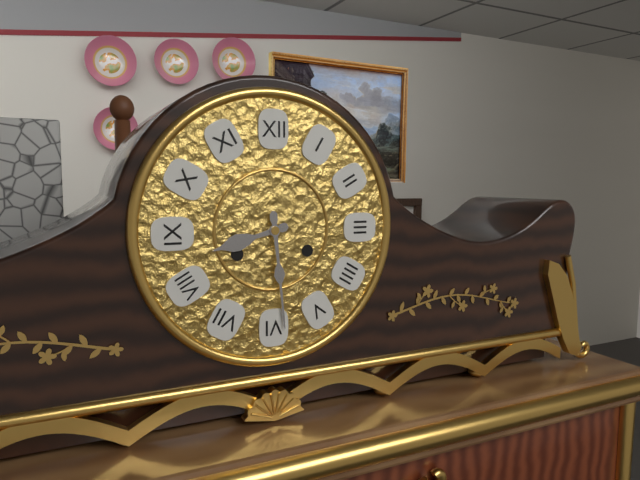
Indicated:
8.29
